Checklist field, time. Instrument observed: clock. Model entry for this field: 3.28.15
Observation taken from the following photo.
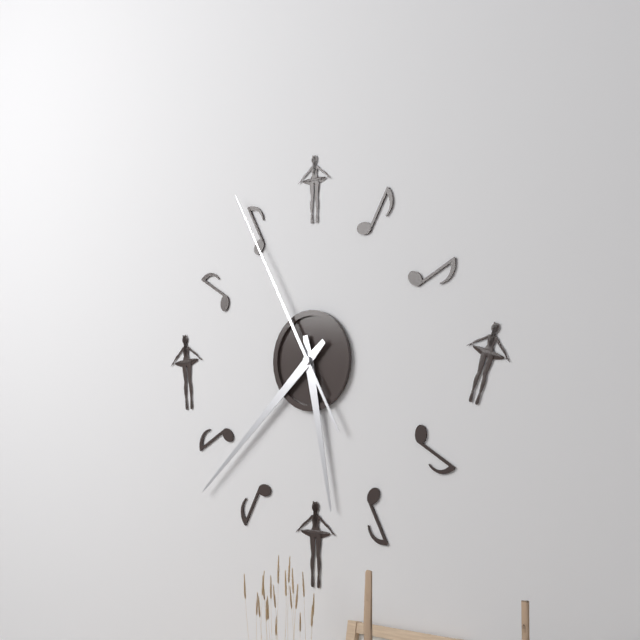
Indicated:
5.38.55
